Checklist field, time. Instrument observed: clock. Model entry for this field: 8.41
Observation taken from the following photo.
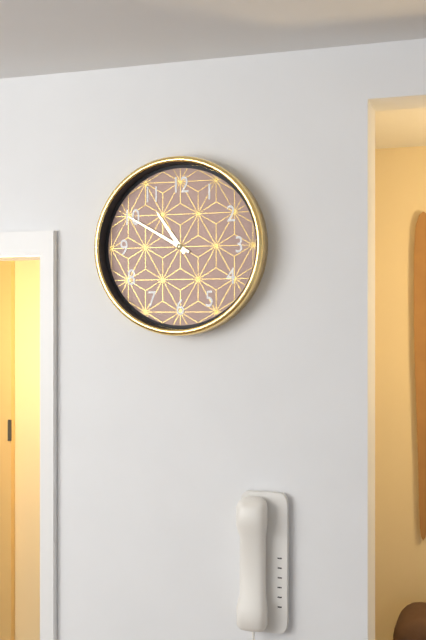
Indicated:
10.50
